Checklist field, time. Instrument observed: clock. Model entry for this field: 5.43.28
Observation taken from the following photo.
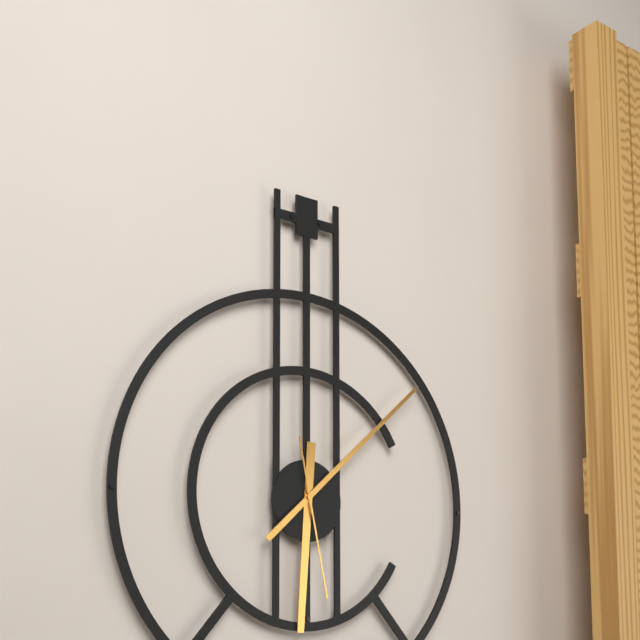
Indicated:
6.08.28
